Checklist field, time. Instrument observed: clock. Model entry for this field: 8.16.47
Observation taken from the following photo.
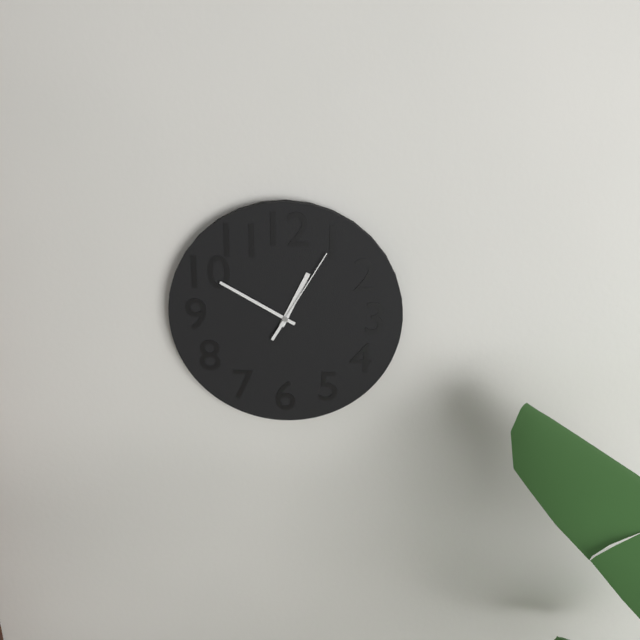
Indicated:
12.50.05
